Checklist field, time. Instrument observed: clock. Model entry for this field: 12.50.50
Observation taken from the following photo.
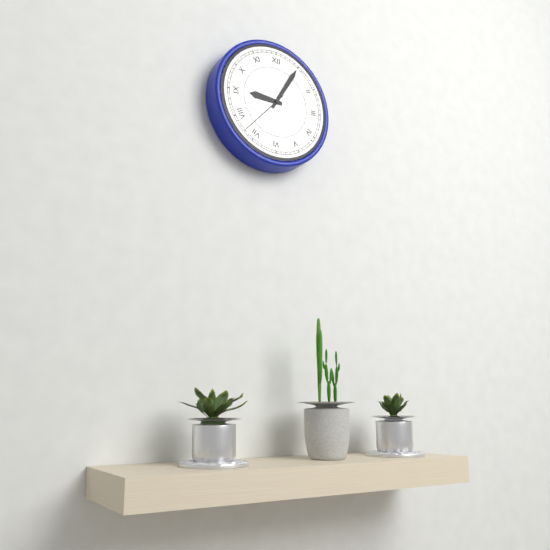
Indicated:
9.05.37
